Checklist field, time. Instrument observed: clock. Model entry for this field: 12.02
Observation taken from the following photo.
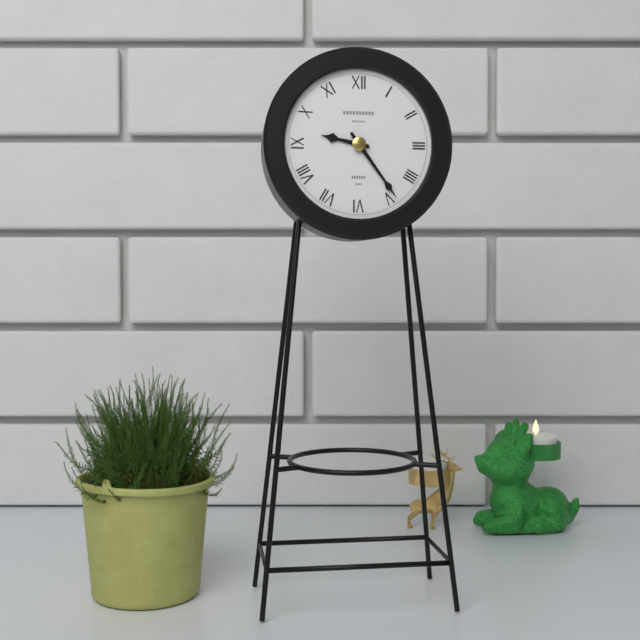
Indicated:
9.24
